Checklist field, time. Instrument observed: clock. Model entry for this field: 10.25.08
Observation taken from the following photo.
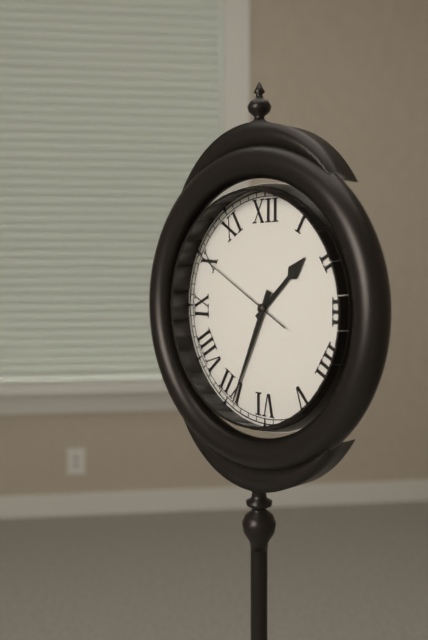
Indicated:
1.34.50
